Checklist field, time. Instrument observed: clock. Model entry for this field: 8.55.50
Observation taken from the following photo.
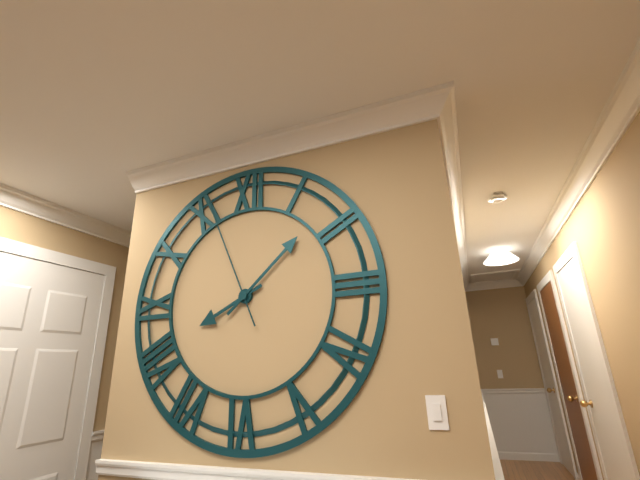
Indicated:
8.08.56
